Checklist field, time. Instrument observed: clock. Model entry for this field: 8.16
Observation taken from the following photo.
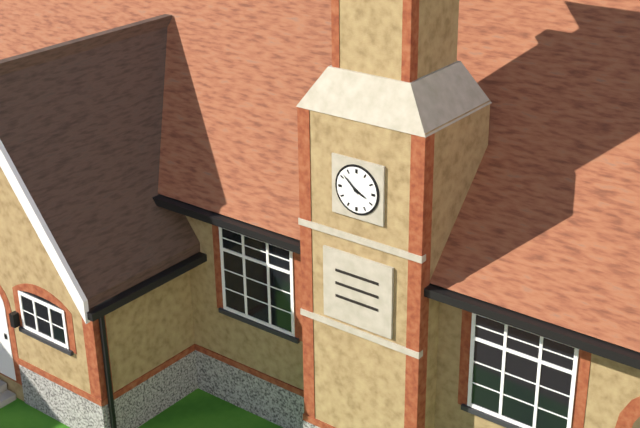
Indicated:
3.52
